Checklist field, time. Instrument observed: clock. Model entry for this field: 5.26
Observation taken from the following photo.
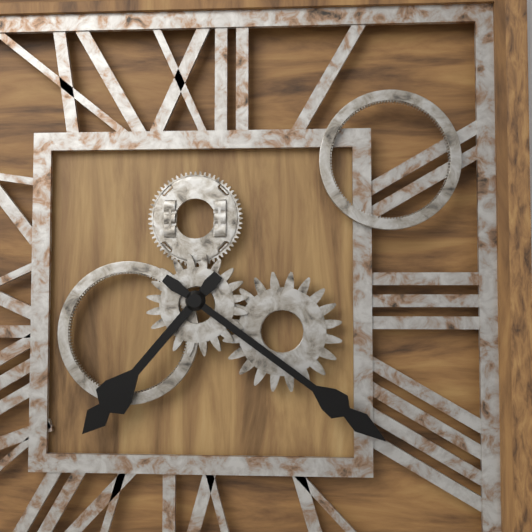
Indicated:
7.21
